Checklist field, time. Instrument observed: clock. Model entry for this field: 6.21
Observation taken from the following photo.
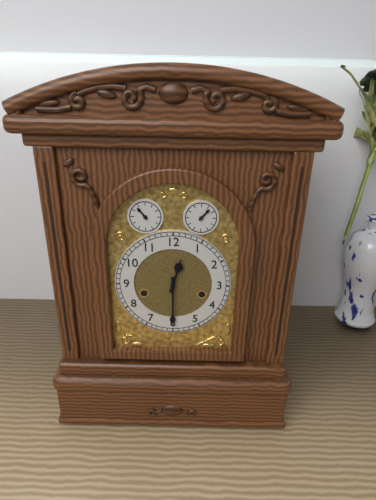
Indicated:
12.30
